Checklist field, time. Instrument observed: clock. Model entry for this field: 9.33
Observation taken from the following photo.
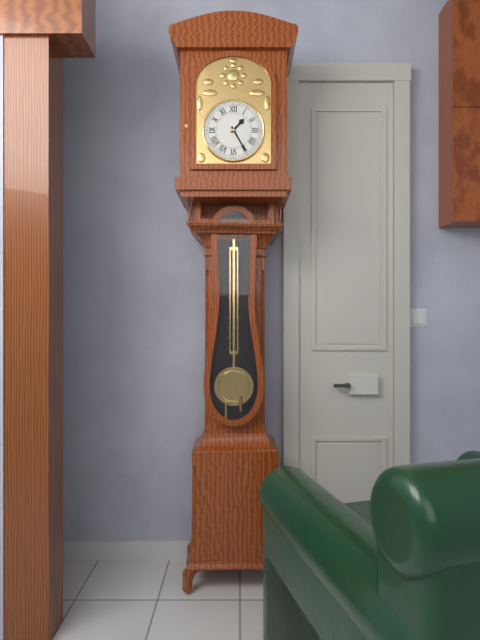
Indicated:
1.25
